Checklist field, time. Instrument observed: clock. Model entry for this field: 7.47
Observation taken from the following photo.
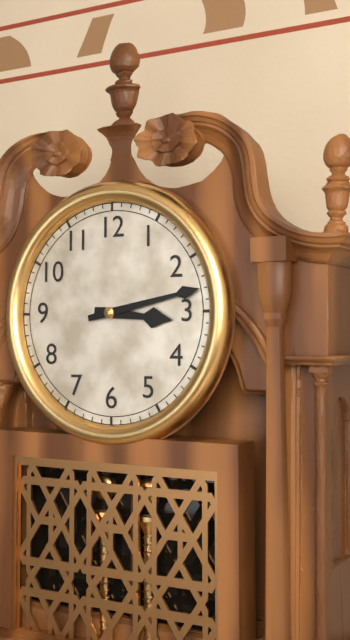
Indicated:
3.13
